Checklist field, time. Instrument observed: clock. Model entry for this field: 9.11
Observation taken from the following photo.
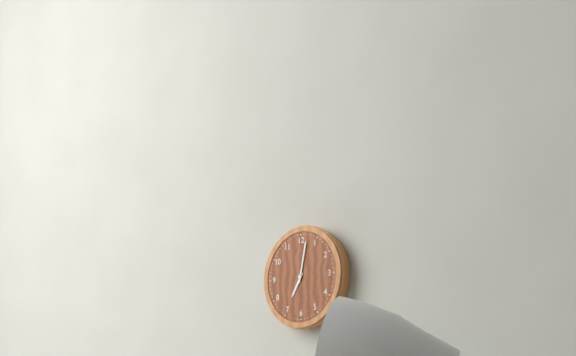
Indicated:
7.02
